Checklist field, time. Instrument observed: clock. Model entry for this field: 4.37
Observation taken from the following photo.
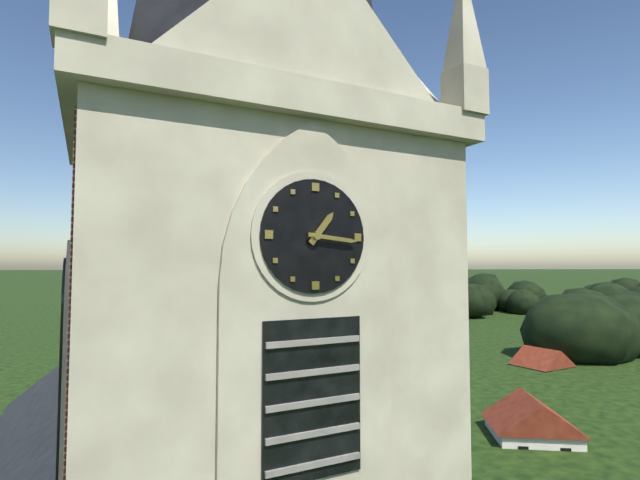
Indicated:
1.16
